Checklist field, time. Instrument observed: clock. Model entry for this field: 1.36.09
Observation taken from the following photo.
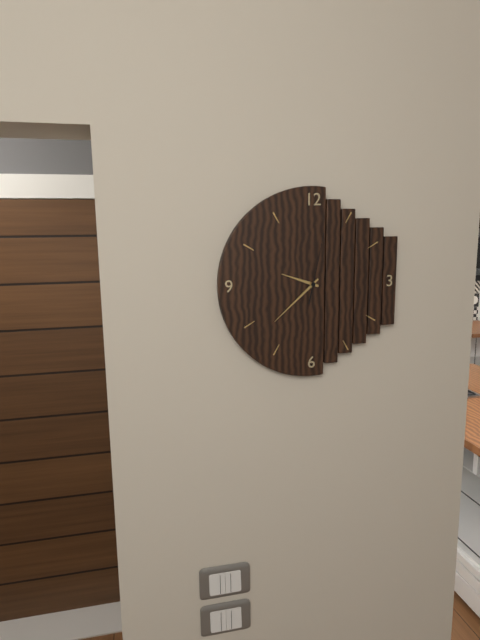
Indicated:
9.38.02
